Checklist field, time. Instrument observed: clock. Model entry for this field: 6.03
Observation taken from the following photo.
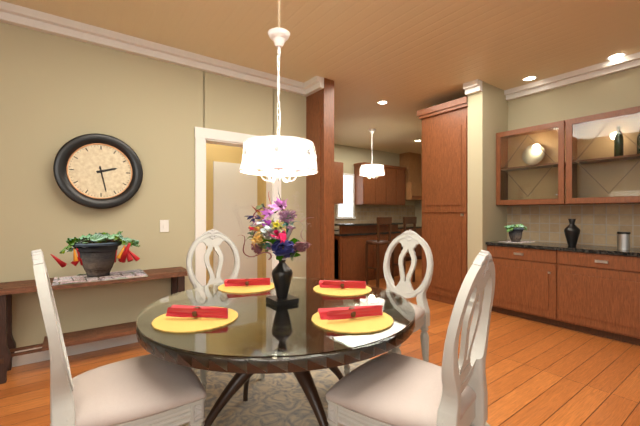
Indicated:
2.28
